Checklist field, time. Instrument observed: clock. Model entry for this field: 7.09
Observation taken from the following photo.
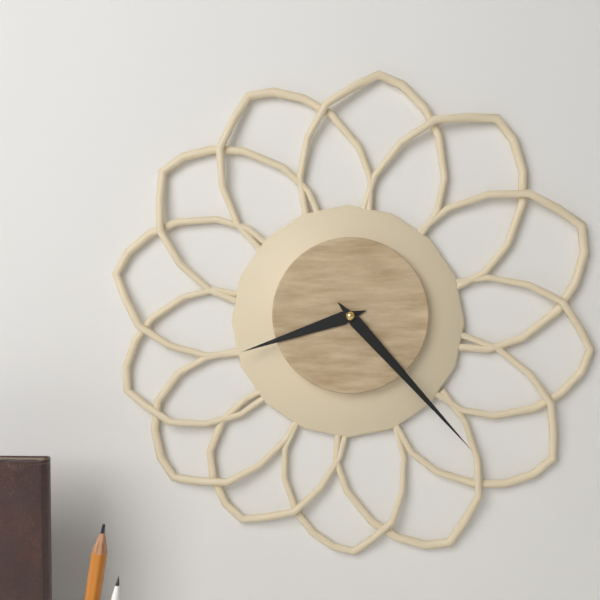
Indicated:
8.23
